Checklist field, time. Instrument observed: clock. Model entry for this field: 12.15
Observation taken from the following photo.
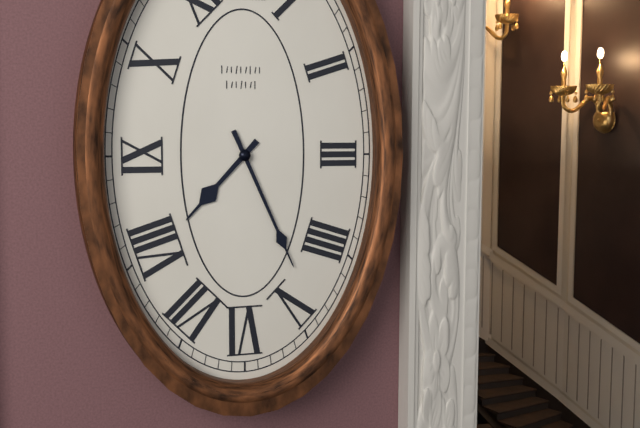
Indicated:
7.26
